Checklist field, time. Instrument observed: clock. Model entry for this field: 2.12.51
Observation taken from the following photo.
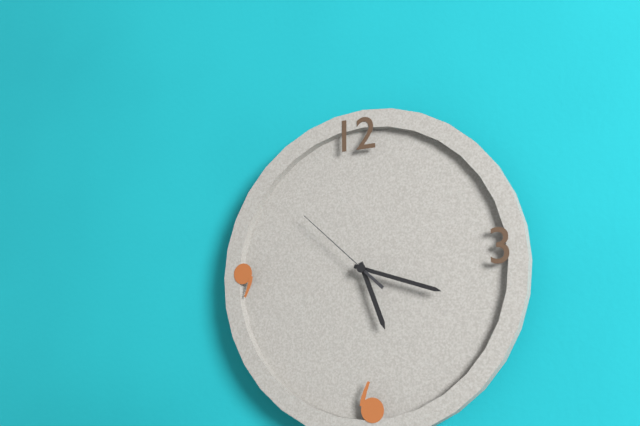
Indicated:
5.18.52
